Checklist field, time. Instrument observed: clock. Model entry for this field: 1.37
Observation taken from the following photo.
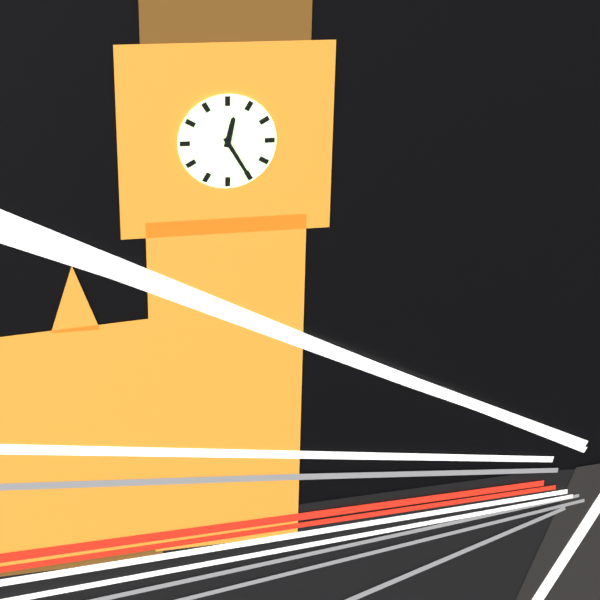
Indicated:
12.25
